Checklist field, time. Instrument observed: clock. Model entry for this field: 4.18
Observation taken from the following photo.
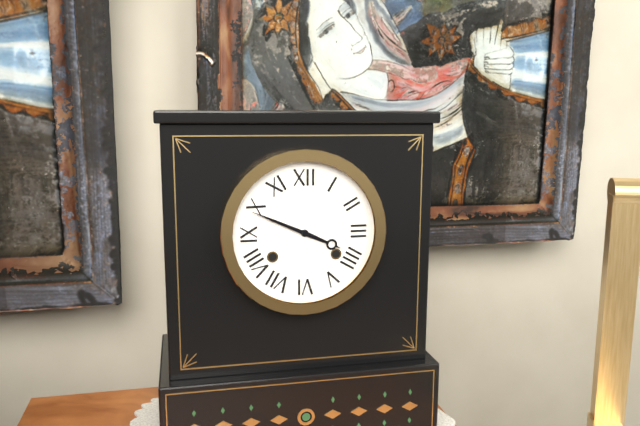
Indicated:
3.49
